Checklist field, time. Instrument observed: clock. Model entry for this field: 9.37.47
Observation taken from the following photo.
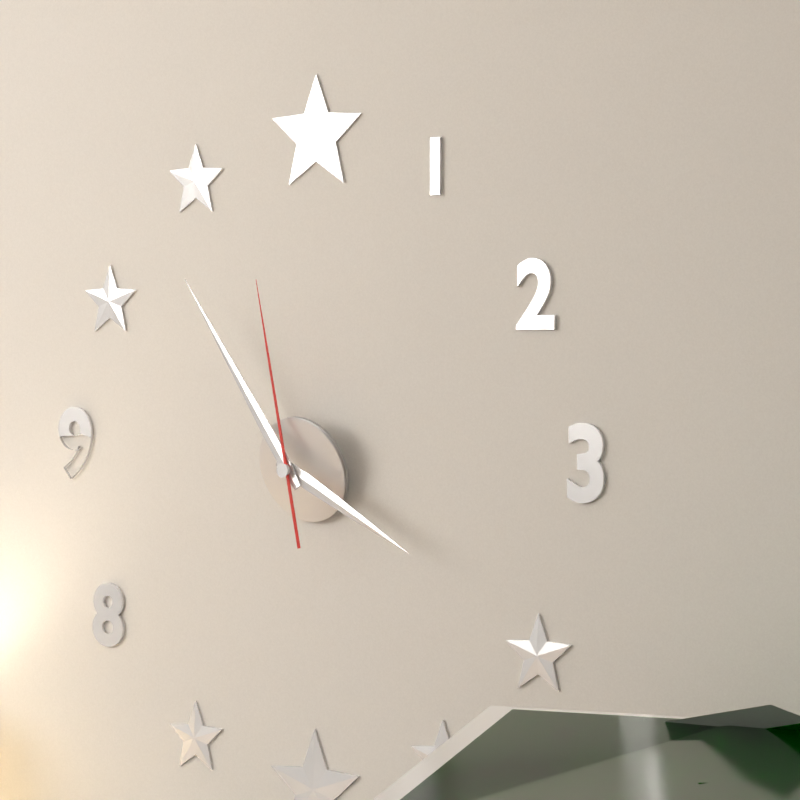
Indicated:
3.54.58
